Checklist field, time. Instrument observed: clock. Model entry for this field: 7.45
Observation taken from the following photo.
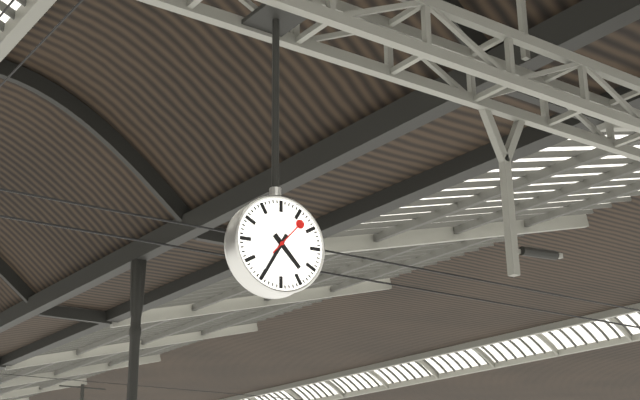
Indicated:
4.35
